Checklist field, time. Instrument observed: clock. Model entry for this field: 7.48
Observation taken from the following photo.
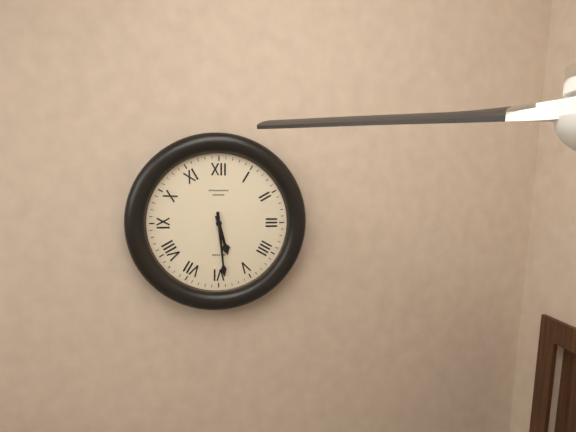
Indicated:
5.29
